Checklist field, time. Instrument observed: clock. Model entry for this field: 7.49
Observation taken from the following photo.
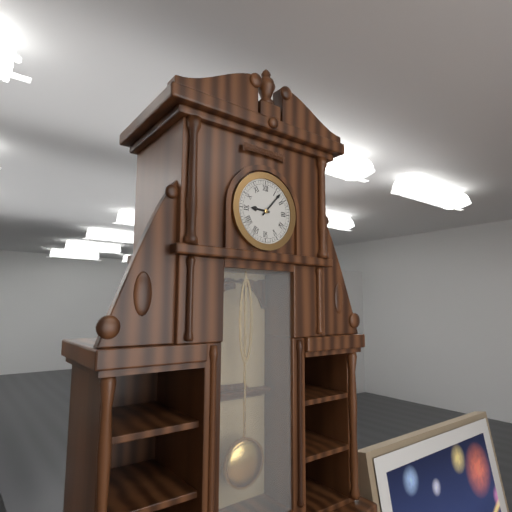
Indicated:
9.07
